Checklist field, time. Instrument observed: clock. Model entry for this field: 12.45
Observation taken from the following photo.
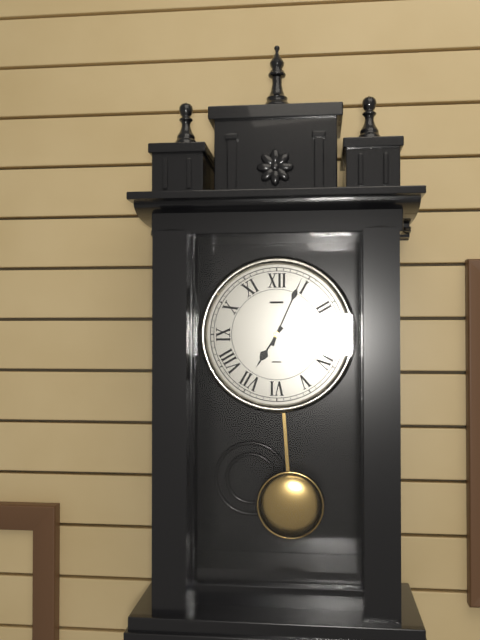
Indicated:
7.04
